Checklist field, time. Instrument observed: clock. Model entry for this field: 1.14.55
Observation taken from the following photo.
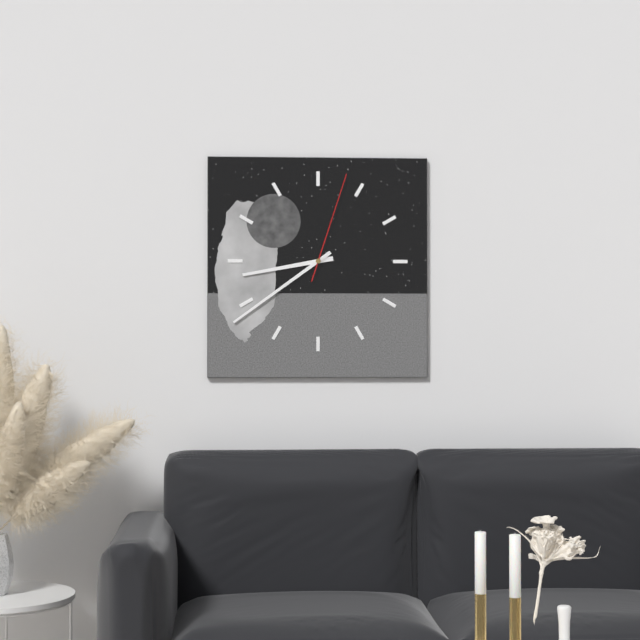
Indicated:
8.39.03
